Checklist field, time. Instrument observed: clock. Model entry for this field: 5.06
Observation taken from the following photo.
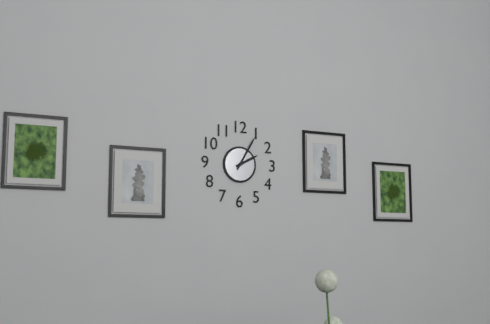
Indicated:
2.05
